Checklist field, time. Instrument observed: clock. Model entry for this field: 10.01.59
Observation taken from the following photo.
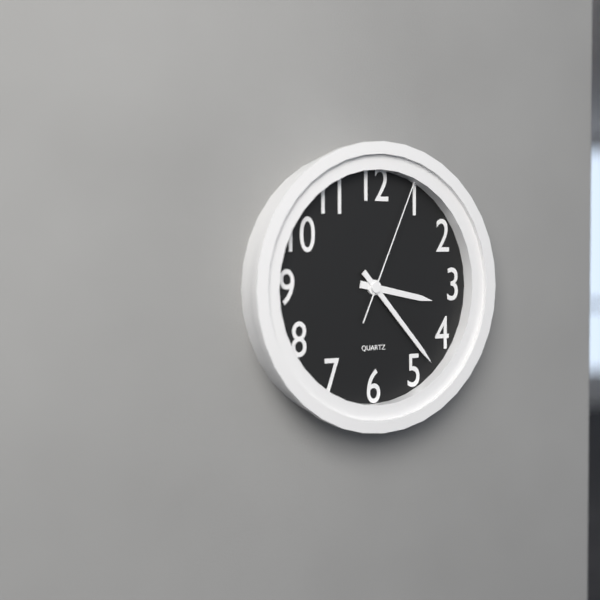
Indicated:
3.23.04
